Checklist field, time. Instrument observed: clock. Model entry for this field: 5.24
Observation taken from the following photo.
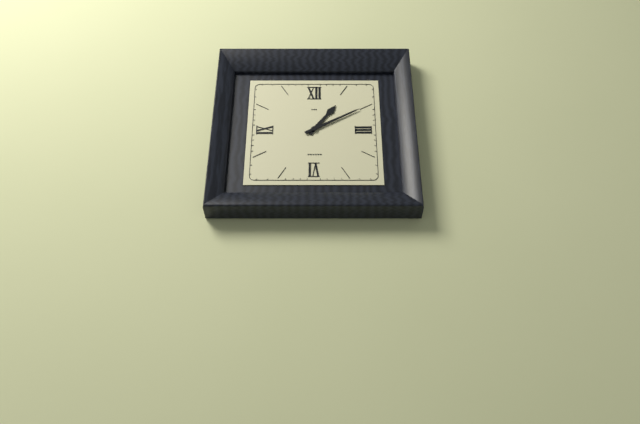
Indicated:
1.10
